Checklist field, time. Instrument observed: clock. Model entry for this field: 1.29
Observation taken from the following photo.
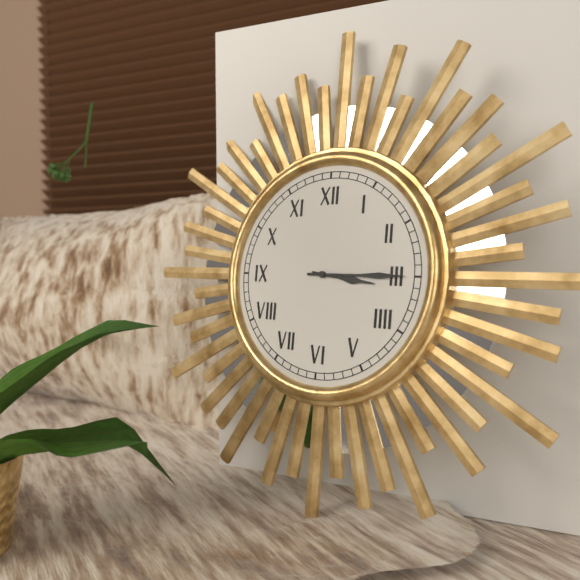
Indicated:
3.15
